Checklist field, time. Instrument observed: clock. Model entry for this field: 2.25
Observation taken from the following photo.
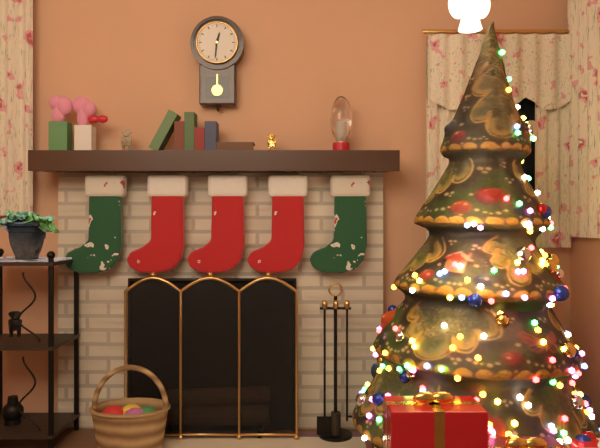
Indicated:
12.31
